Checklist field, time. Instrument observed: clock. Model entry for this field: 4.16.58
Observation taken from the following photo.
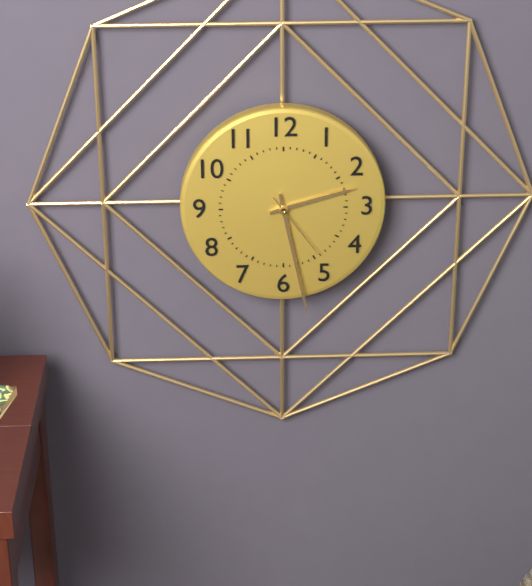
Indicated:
2.28.24
